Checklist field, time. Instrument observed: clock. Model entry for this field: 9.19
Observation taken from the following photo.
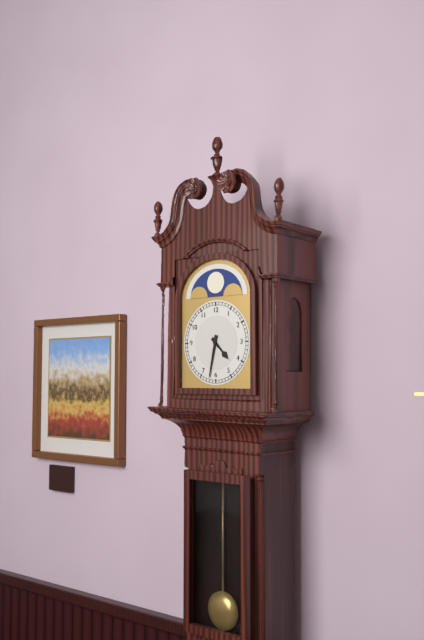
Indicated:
4.32
